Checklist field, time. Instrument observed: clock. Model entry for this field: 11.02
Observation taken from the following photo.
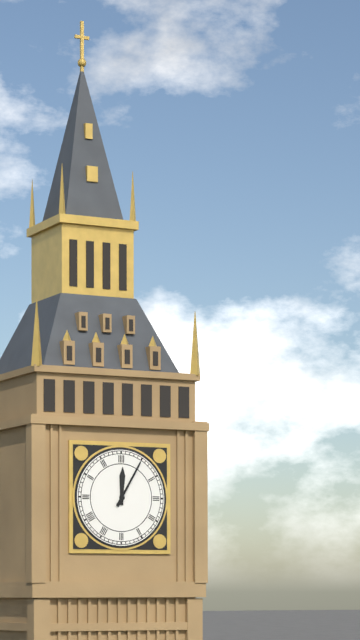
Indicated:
12.05
